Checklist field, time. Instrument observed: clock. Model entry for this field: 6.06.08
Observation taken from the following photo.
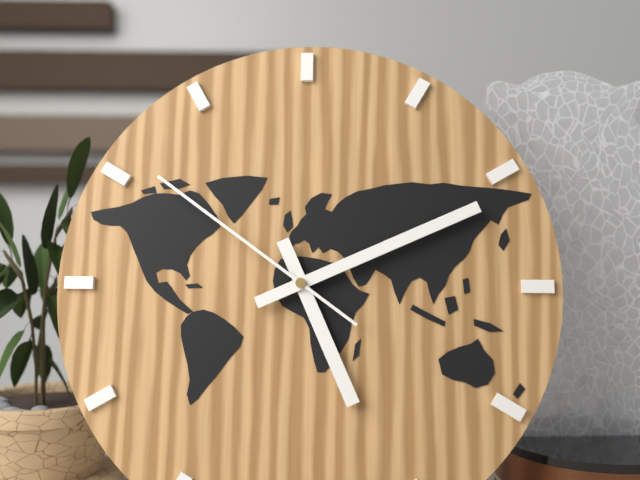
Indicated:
5.11.51
